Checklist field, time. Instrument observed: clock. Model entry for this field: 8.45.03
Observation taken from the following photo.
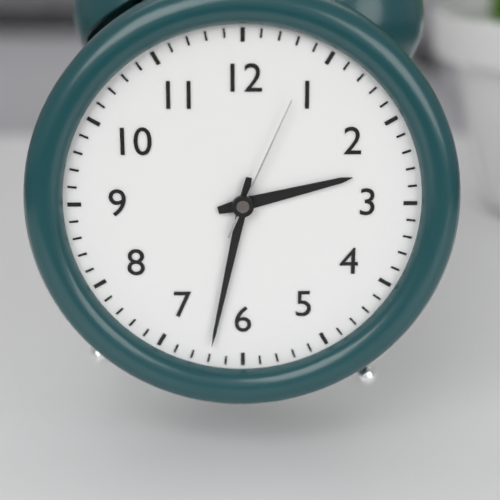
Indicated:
2.32.04
